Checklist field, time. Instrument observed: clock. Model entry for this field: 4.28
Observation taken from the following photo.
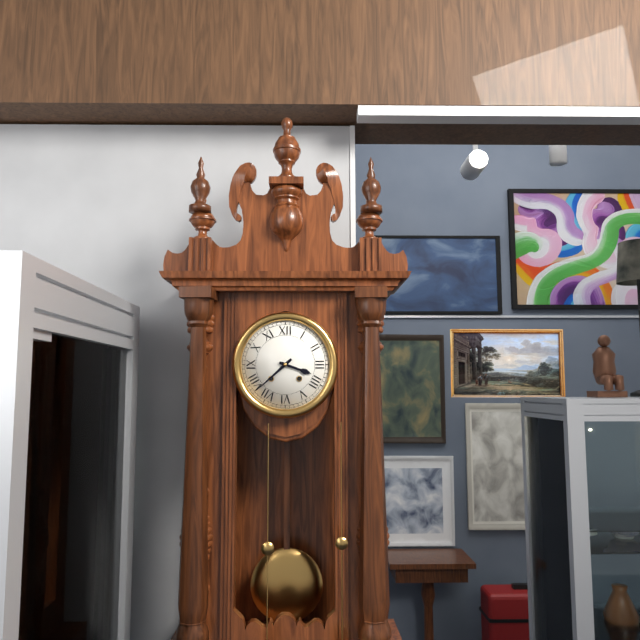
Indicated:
3.38
